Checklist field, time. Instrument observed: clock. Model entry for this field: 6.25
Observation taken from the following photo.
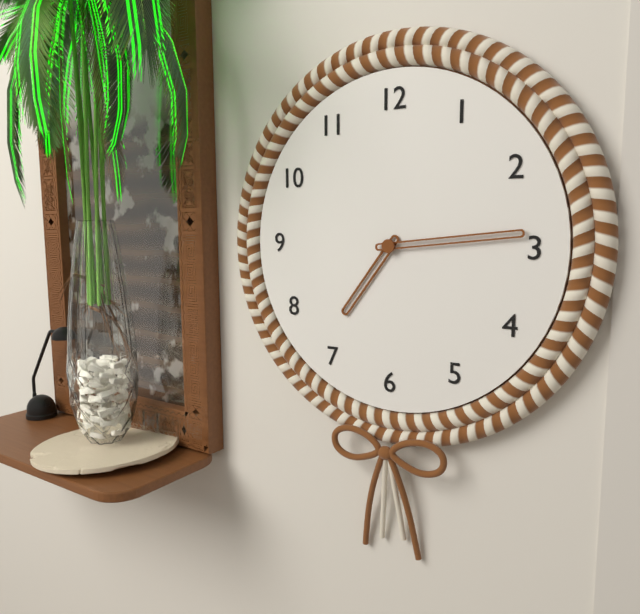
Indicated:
7.14
